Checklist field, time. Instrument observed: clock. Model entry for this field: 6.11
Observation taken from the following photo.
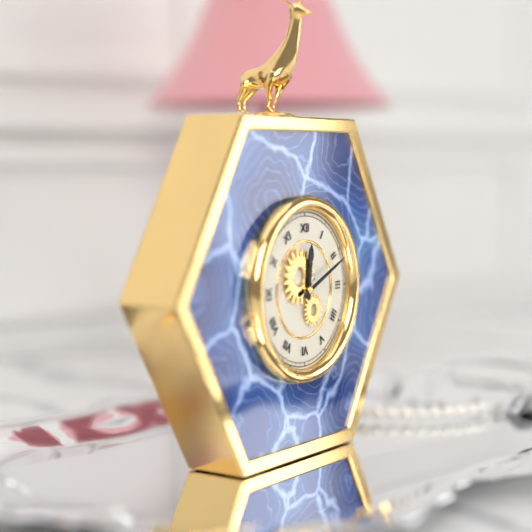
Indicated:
12.11
